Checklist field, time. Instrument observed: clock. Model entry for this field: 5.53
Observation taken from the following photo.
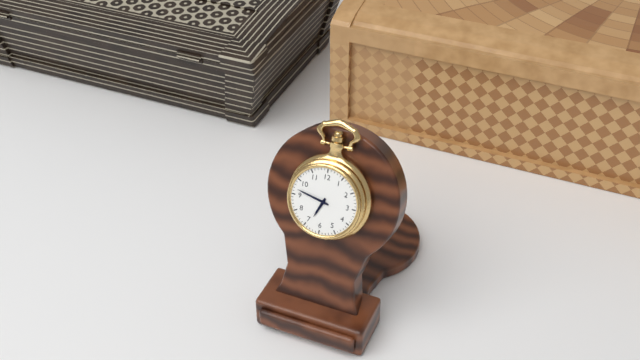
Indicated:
6.47
